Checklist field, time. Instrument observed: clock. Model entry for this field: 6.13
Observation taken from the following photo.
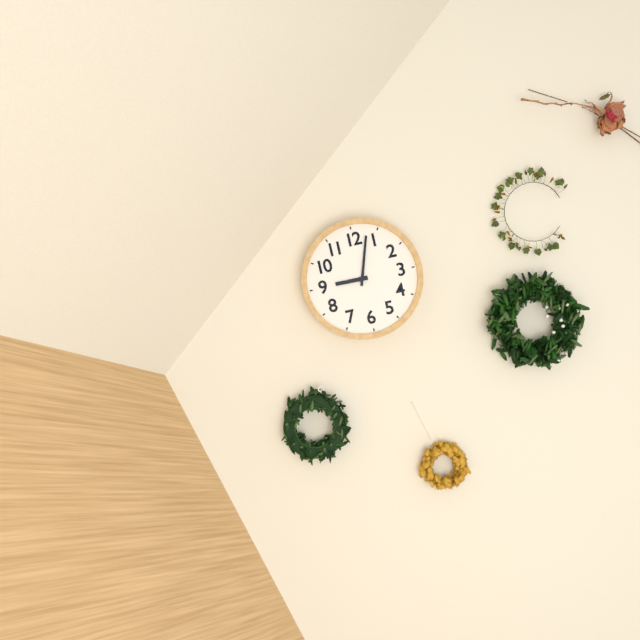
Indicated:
9.03
